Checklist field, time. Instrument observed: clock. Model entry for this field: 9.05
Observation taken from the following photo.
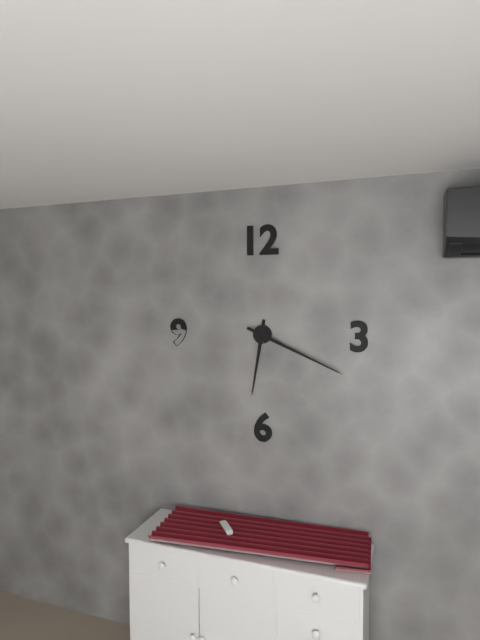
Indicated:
6.19
